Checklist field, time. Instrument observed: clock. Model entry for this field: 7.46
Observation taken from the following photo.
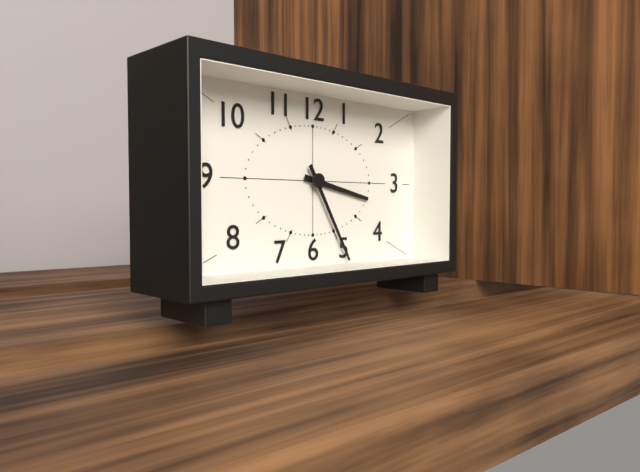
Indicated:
3.25
